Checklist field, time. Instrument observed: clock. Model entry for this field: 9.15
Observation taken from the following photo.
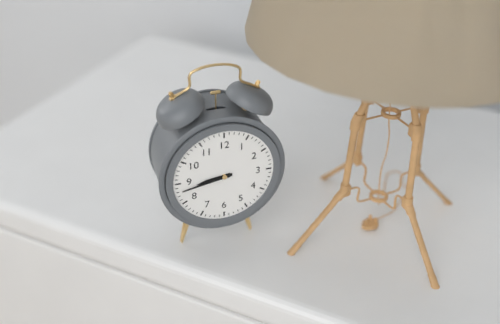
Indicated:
8.43
